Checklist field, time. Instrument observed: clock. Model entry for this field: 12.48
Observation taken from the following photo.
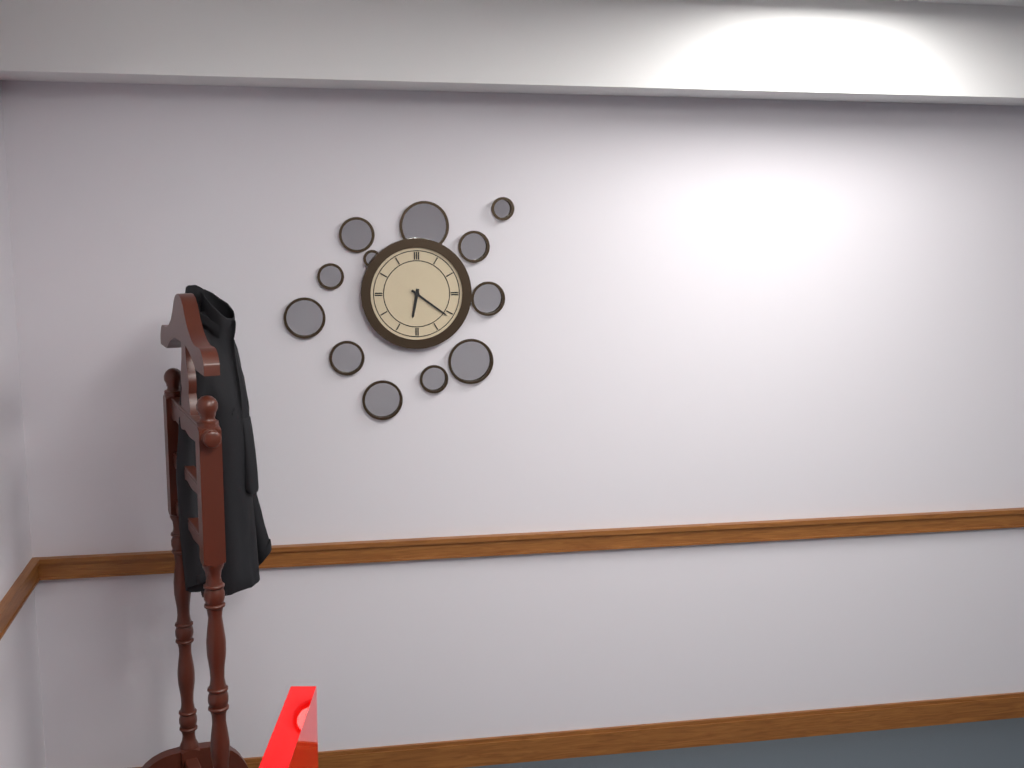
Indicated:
6.21
